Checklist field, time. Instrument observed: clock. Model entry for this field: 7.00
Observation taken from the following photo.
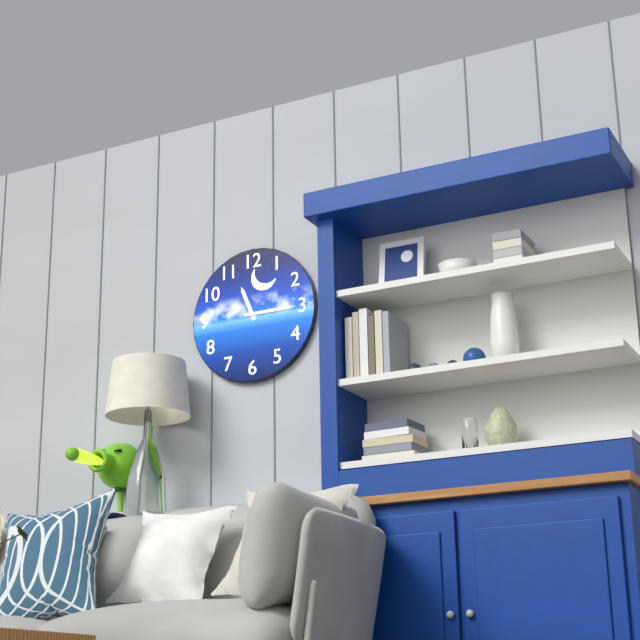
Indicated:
11.15
